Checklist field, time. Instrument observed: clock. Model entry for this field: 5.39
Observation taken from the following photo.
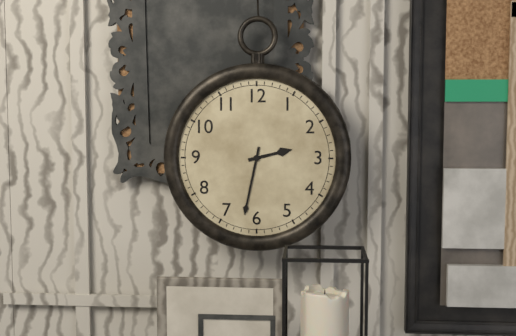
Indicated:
2.32
